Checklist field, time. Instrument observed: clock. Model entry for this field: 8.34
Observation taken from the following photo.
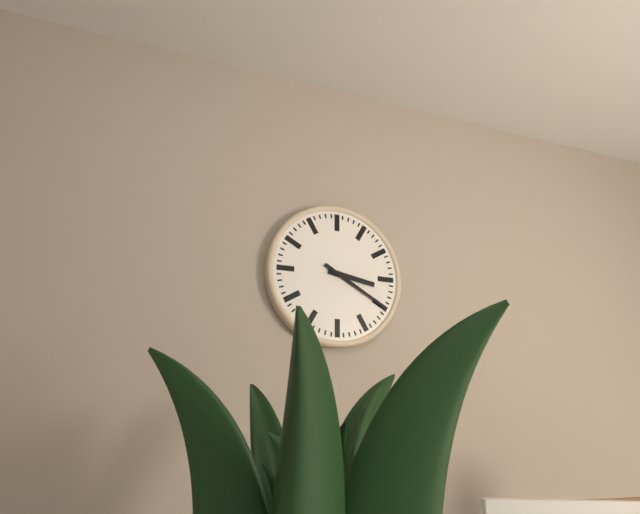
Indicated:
3.20
